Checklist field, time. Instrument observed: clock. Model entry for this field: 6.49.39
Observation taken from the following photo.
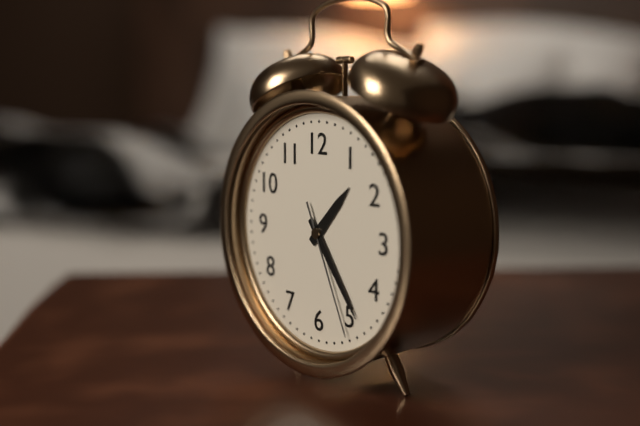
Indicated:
1.24.26
